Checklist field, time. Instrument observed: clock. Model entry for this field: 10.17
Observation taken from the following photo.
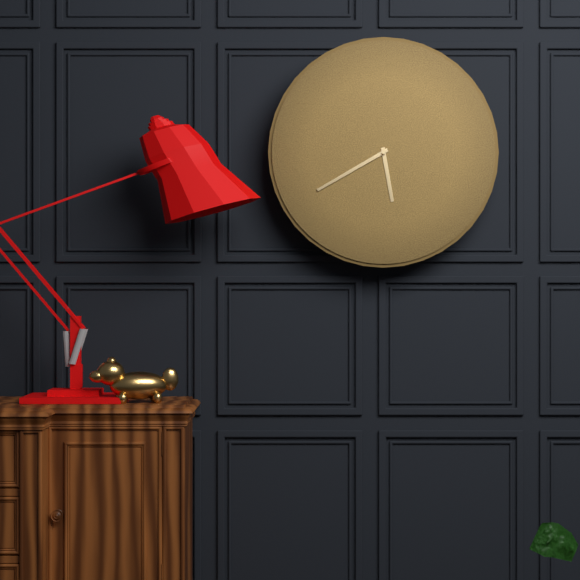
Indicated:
5.40
